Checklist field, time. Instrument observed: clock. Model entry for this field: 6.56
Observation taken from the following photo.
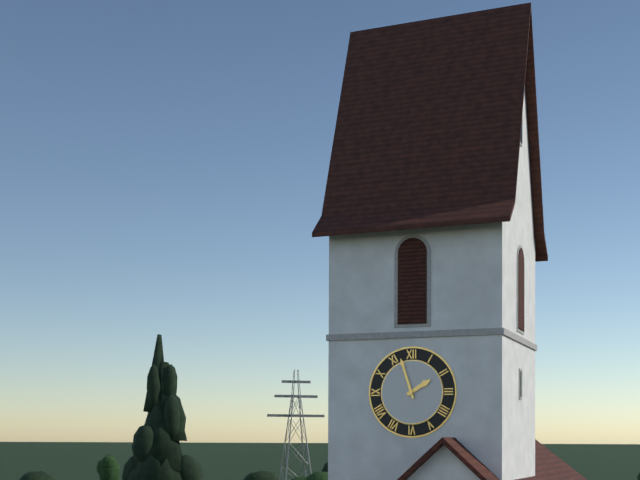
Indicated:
1.57
